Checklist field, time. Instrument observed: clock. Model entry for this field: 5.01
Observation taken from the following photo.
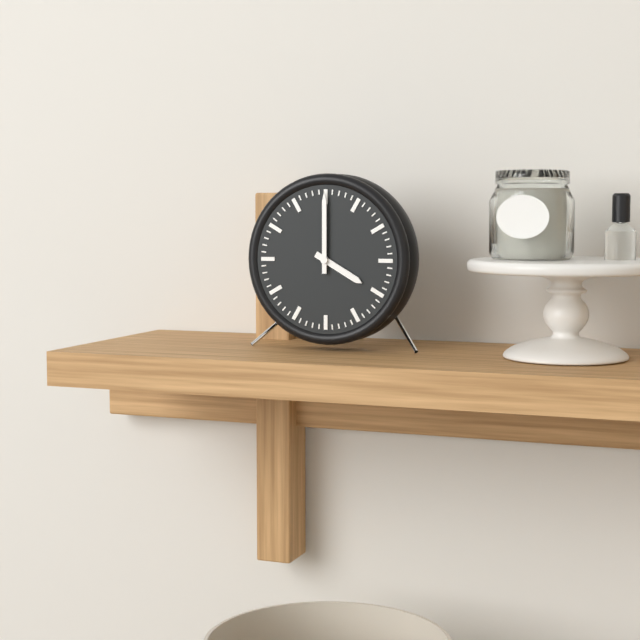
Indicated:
4.00
